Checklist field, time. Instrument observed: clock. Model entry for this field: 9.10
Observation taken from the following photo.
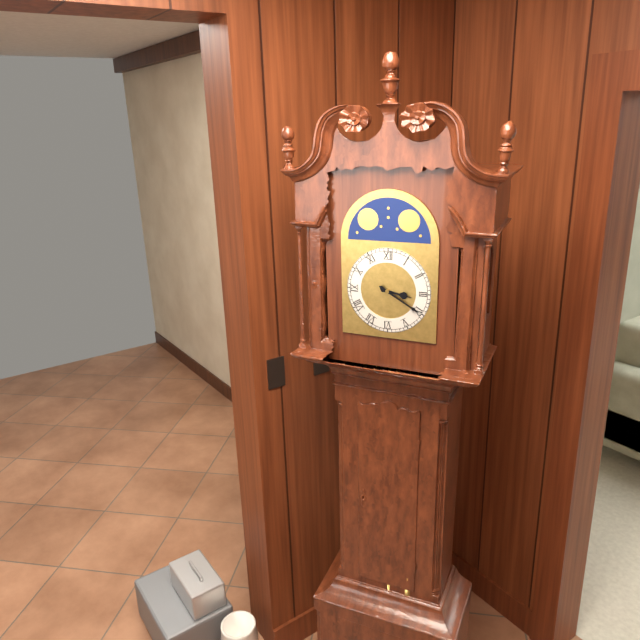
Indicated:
3.20
